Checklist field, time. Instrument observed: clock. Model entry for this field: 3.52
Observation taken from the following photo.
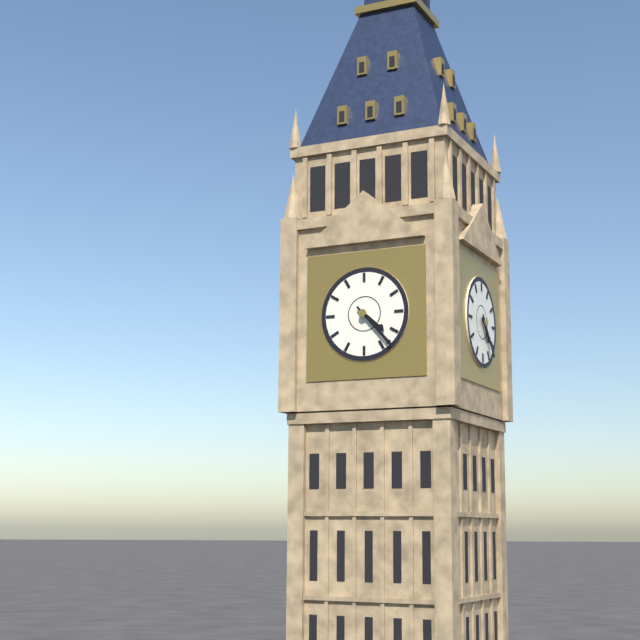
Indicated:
4.23
